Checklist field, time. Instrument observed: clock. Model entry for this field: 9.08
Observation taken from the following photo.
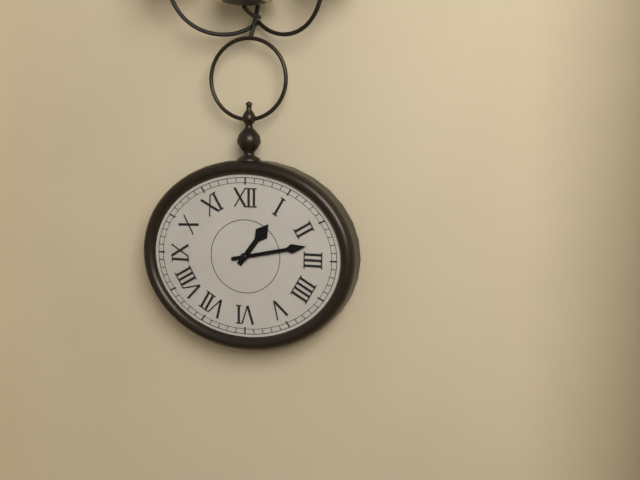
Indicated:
1.13
